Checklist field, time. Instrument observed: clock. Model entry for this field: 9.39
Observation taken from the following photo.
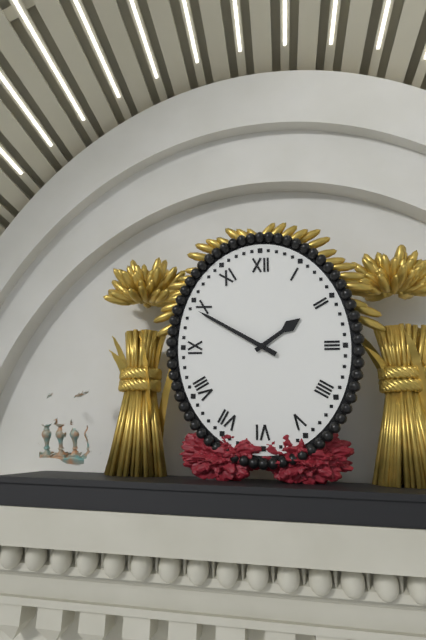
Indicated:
1.50
